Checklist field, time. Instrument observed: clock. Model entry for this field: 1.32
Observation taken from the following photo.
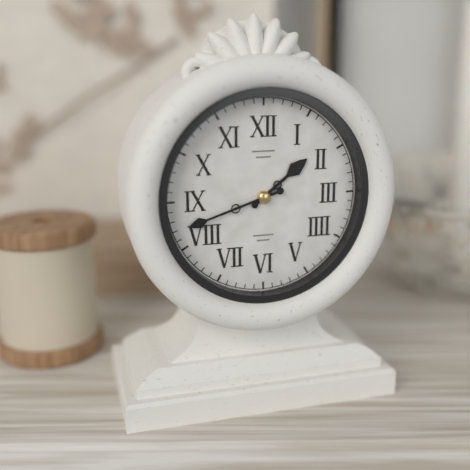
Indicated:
1.42
